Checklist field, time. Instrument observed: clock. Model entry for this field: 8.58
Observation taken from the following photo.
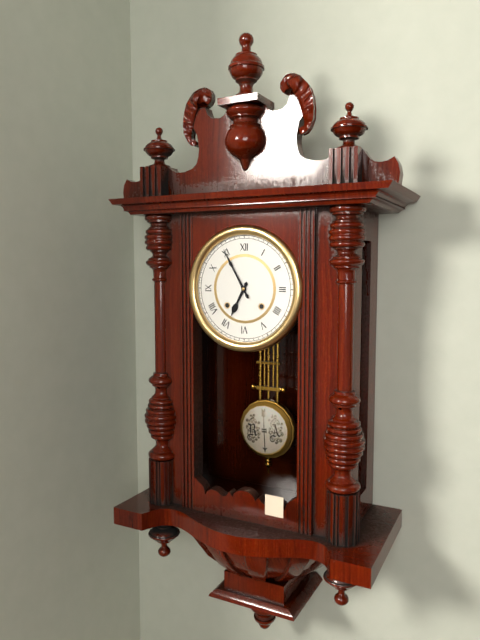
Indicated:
6.55
